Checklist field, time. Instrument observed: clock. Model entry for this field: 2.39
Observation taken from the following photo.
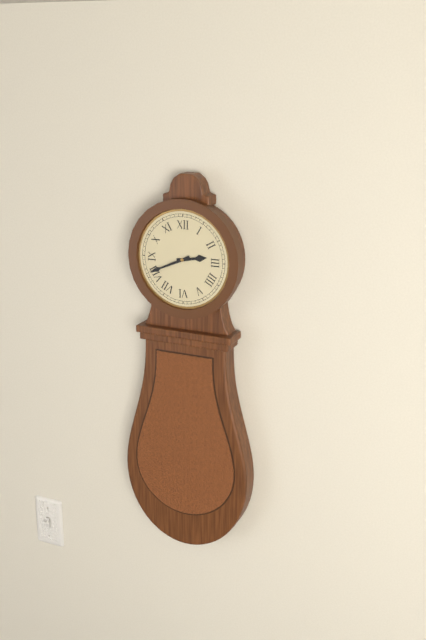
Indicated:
2.41
